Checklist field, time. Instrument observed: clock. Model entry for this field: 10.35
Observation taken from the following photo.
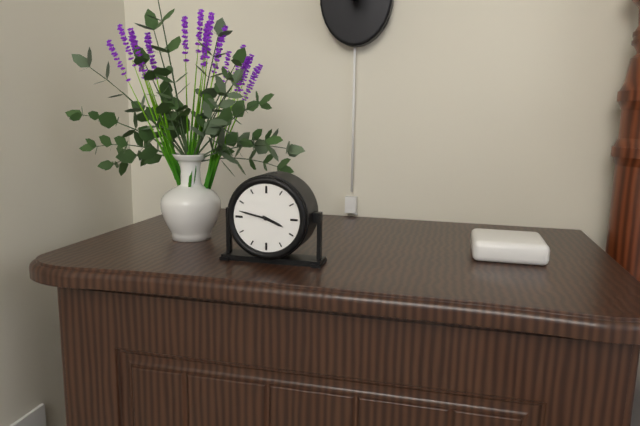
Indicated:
3.47
